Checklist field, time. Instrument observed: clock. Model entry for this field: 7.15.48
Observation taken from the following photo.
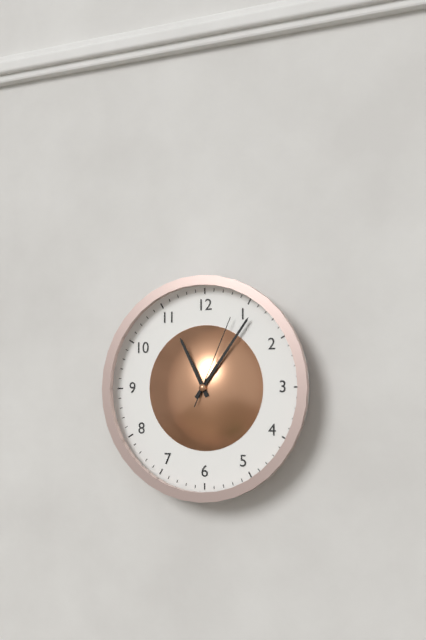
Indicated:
11.06.04
